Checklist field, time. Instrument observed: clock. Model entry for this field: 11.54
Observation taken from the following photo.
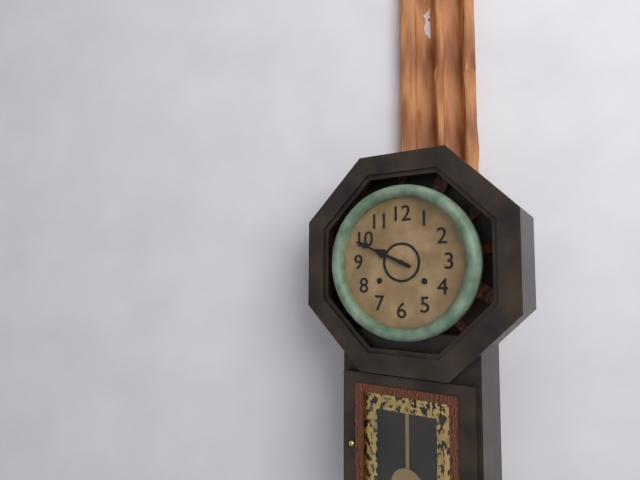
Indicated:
9.49
